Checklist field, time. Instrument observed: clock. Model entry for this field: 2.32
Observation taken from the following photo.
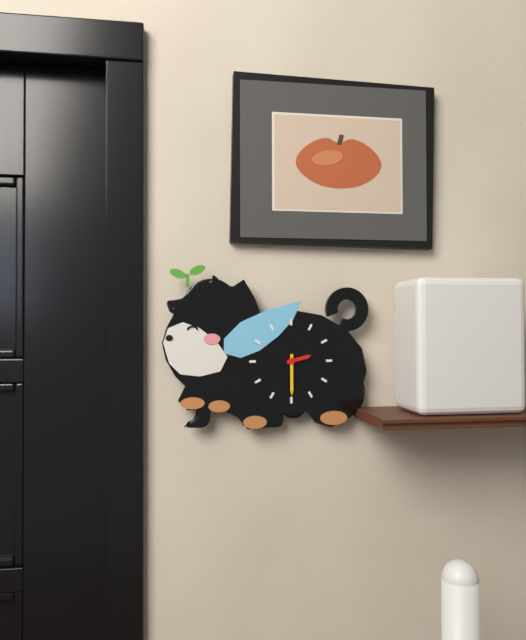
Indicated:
2.30
